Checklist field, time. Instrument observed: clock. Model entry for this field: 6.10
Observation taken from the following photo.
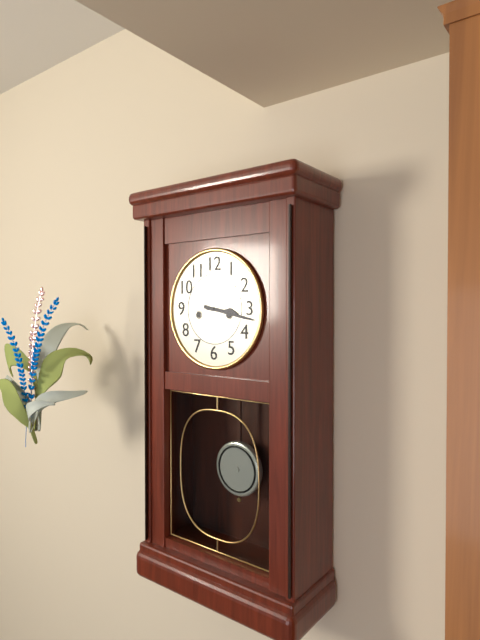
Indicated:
3.17
